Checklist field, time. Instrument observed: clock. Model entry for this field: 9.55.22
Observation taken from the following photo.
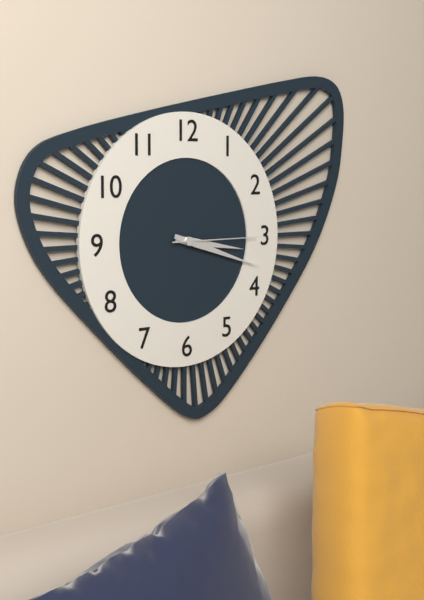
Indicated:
3.18.15
